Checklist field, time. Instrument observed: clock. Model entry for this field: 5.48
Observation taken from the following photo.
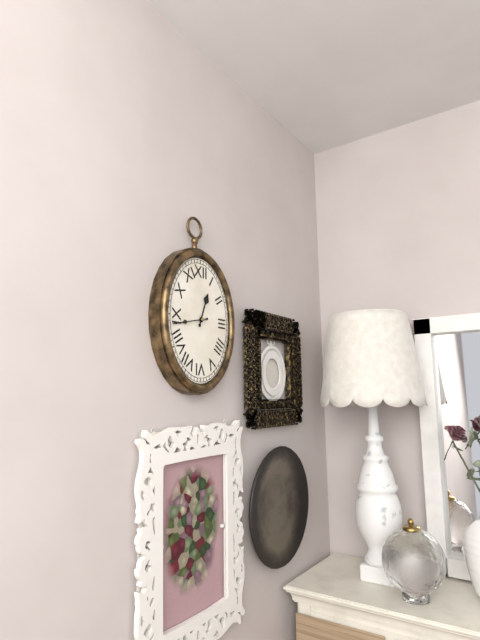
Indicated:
12.43
